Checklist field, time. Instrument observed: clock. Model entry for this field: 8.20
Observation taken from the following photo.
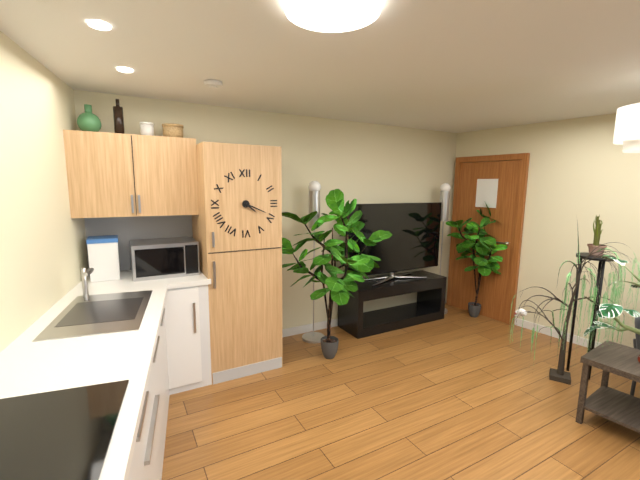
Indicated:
4.19
